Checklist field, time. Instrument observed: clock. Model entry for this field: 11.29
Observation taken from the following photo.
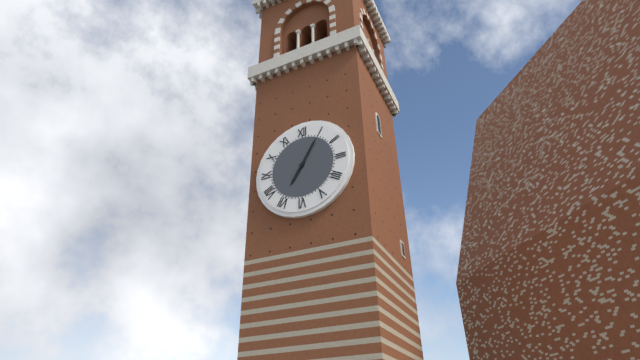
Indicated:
7.05
